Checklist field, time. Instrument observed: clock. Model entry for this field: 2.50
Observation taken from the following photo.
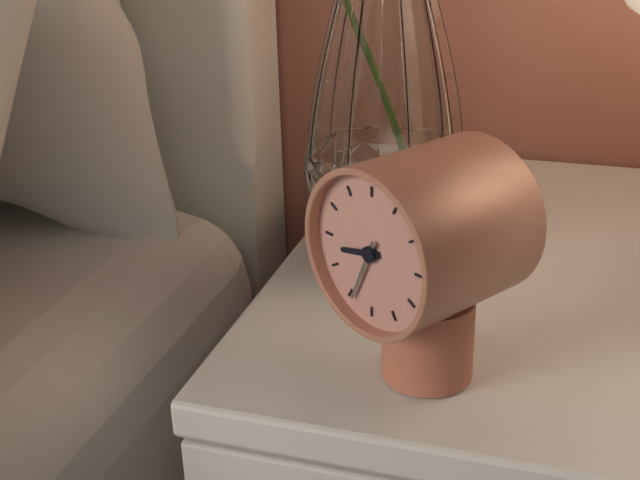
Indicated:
8.34
